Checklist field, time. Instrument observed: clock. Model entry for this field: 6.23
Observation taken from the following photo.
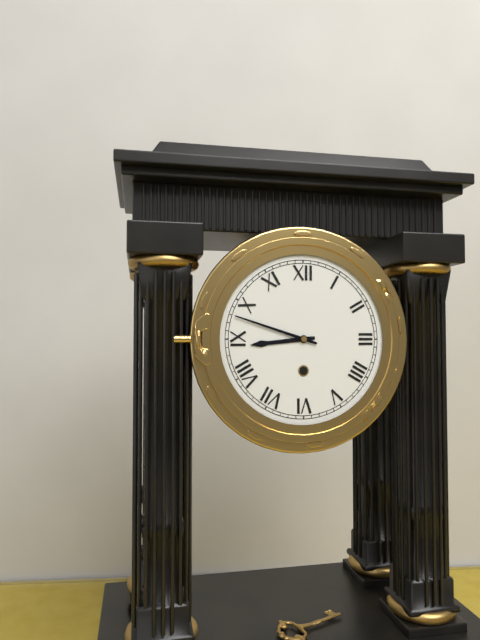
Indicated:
8.48
